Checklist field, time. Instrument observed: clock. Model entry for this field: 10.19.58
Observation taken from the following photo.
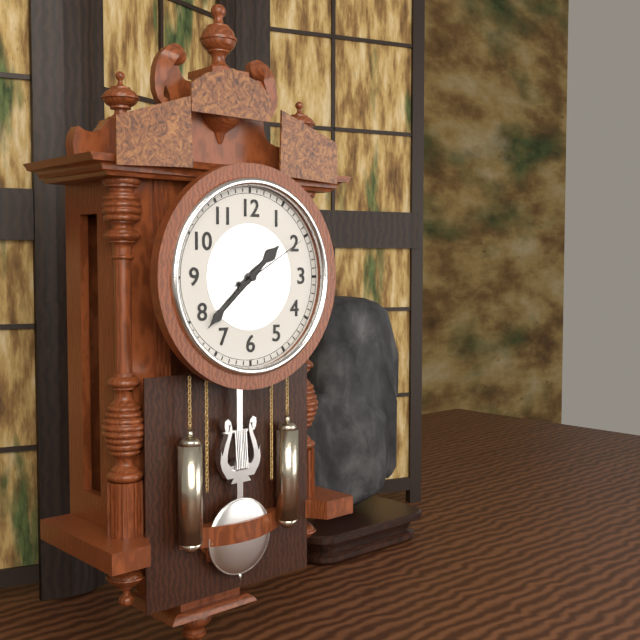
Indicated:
1.38.10
